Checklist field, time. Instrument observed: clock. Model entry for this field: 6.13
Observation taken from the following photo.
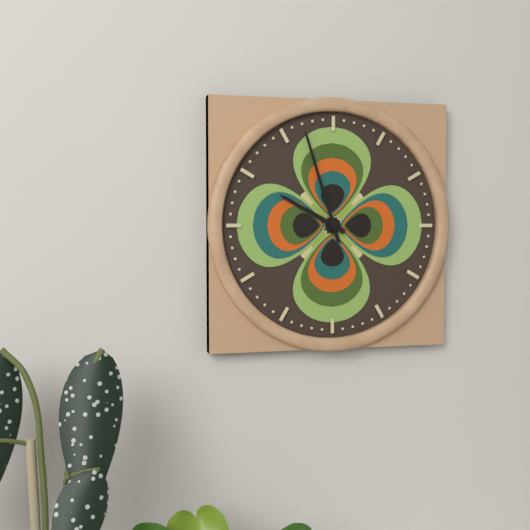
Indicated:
9.57
